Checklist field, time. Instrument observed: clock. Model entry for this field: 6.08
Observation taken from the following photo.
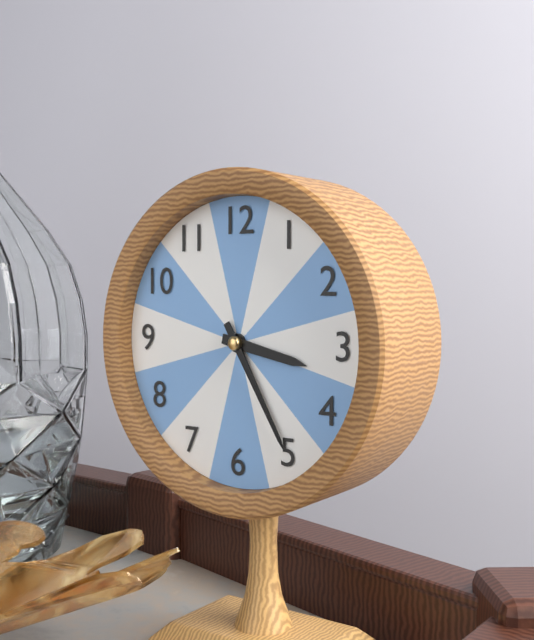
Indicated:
3.25
